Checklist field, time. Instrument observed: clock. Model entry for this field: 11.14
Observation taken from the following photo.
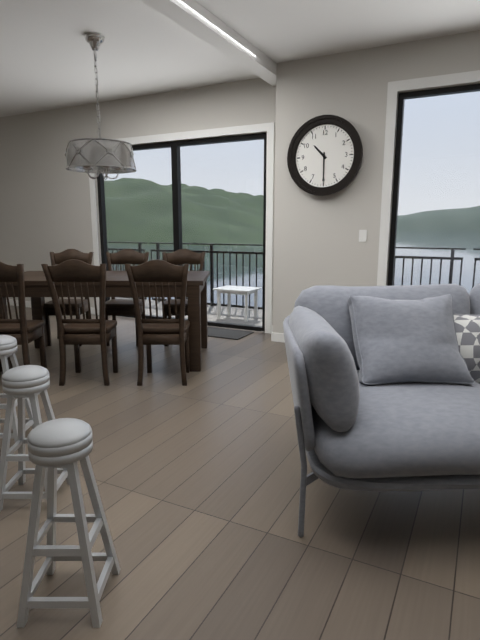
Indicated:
10.30
